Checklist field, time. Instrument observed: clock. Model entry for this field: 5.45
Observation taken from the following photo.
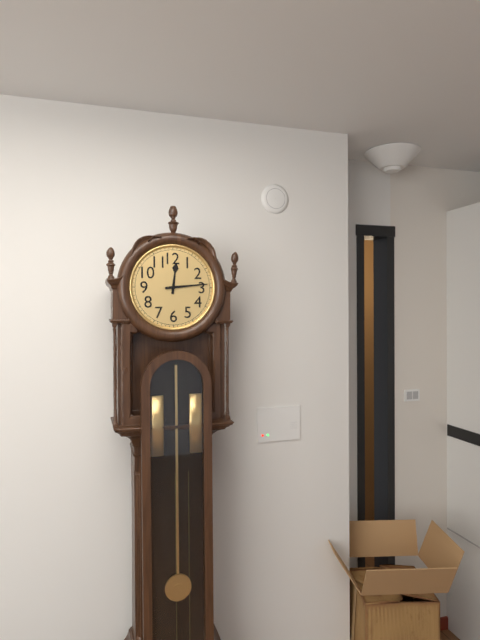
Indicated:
12.14
